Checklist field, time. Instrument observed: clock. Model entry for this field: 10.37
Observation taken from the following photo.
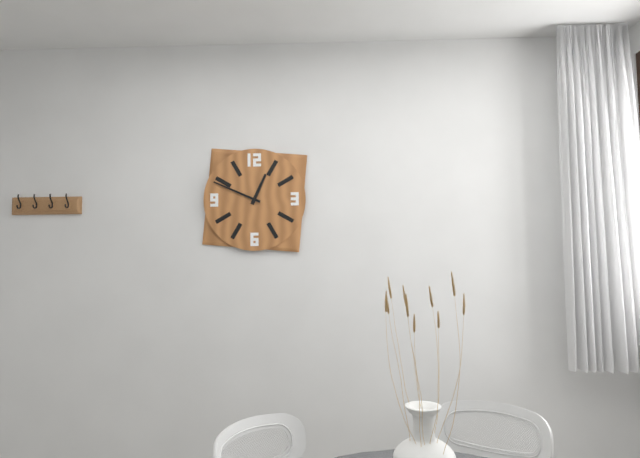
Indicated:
12.49
